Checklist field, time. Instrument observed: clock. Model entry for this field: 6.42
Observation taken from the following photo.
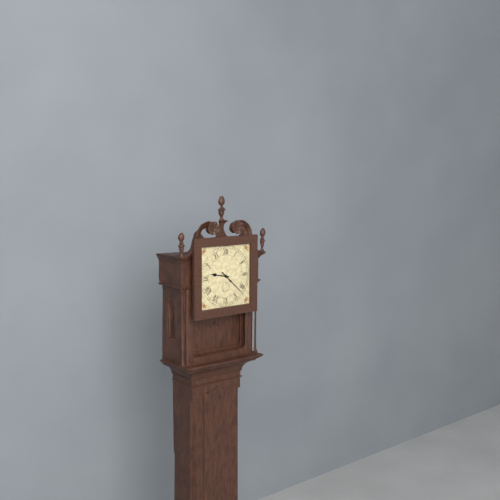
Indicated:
9.22
